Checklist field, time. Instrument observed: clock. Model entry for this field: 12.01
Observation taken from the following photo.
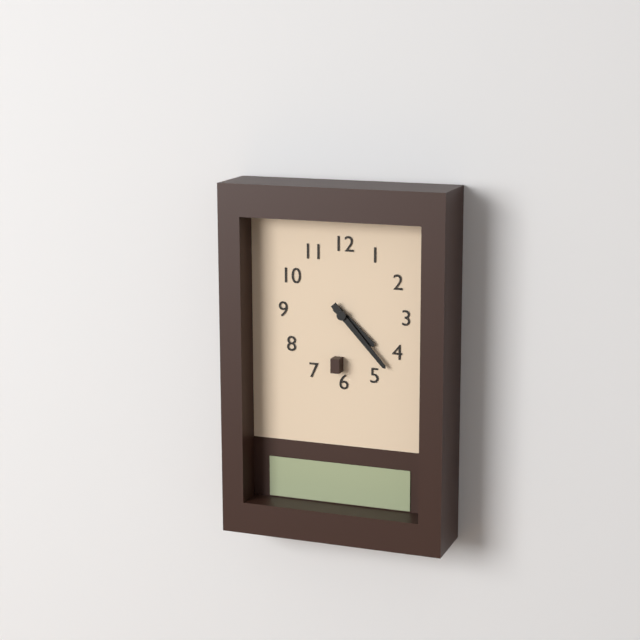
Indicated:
4.23
